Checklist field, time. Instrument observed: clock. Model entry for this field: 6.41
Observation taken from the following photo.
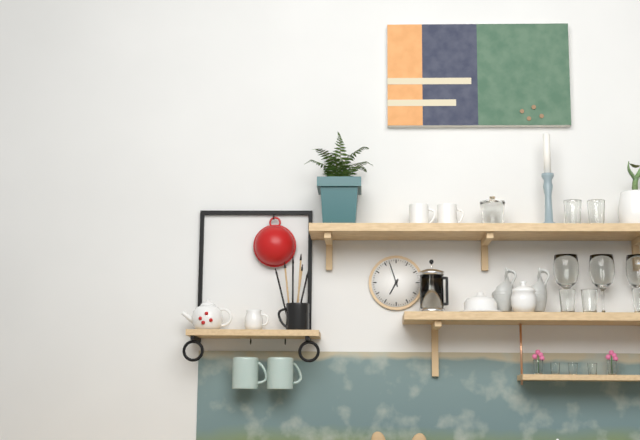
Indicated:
6.57
